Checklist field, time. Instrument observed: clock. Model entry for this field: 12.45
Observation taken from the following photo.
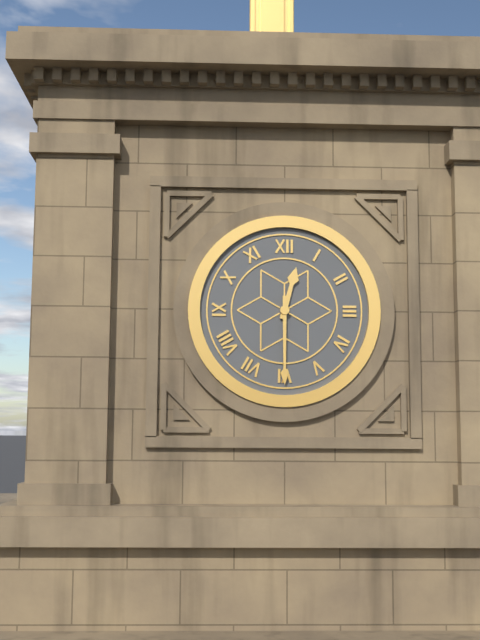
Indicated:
12.30
